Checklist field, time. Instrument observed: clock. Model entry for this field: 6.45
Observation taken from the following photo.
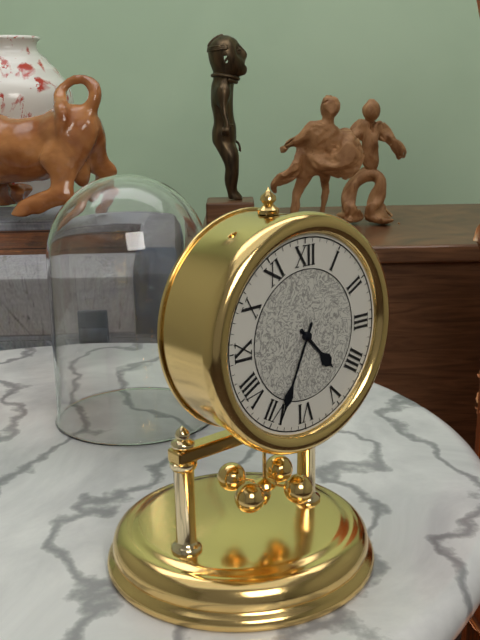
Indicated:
4.34
